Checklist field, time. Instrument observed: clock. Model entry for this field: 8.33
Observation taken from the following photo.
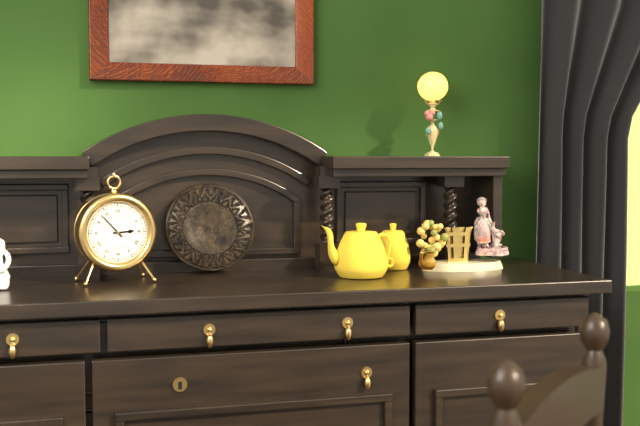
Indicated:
2.53
